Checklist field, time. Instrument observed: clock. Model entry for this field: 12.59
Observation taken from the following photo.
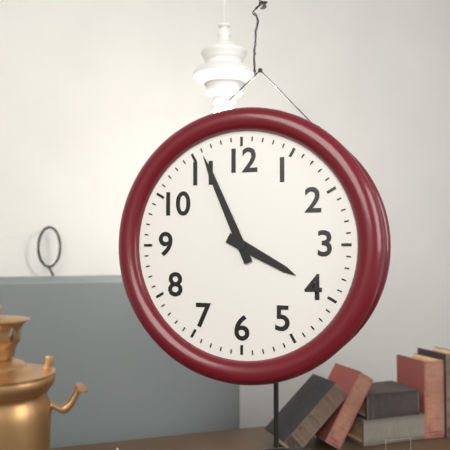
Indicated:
3.56
